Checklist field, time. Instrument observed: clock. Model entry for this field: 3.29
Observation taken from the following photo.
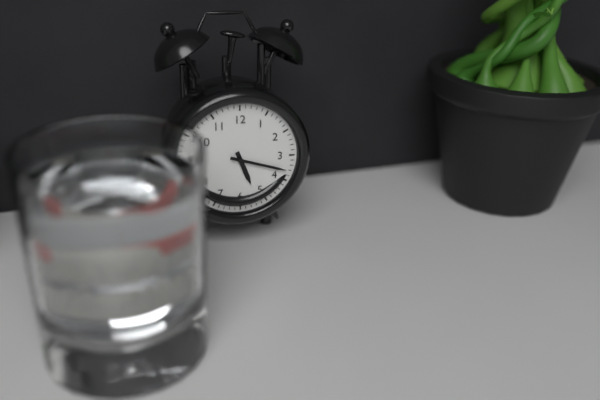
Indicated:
5.18
